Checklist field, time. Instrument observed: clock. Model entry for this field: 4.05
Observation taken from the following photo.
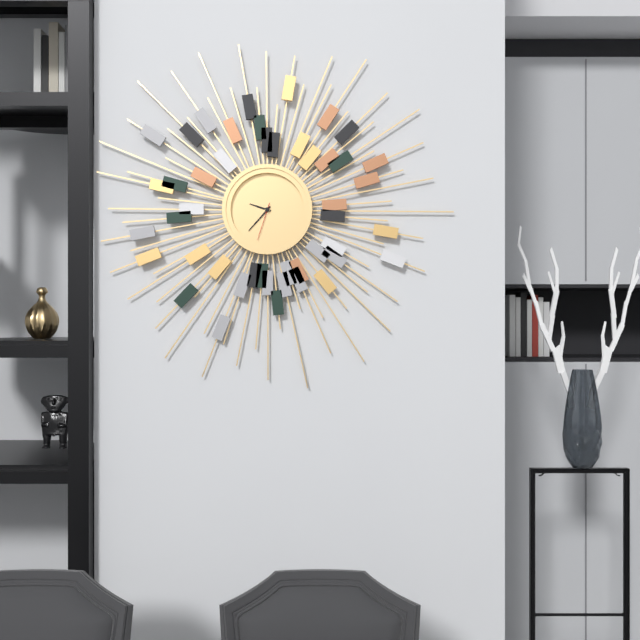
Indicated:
9.37
